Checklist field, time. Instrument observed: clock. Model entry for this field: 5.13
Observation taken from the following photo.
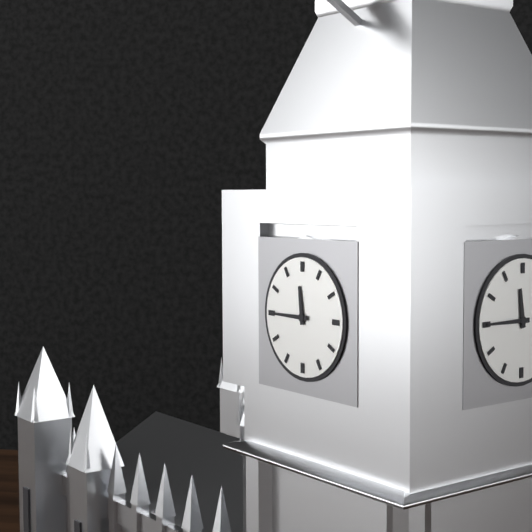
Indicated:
11.45
